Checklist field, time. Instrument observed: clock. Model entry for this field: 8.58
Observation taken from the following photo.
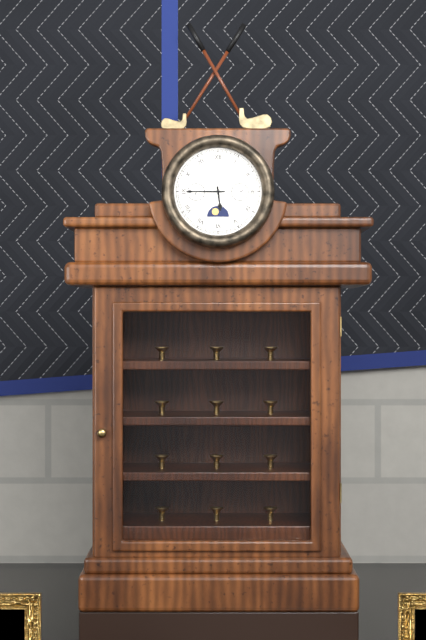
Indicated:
5.45
